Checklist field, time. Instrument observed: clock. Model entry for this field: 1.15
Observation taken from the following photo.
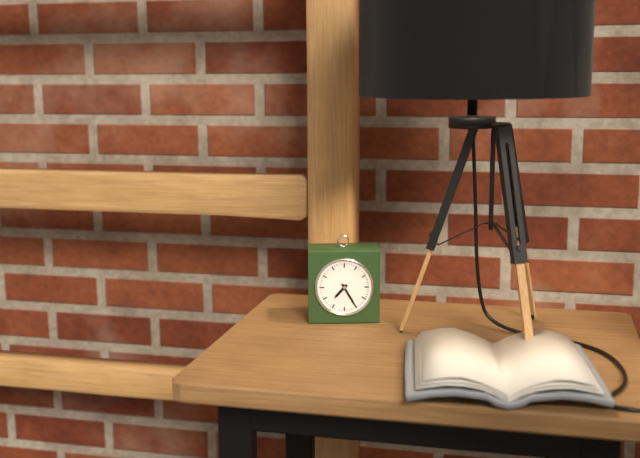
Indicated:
7.25
